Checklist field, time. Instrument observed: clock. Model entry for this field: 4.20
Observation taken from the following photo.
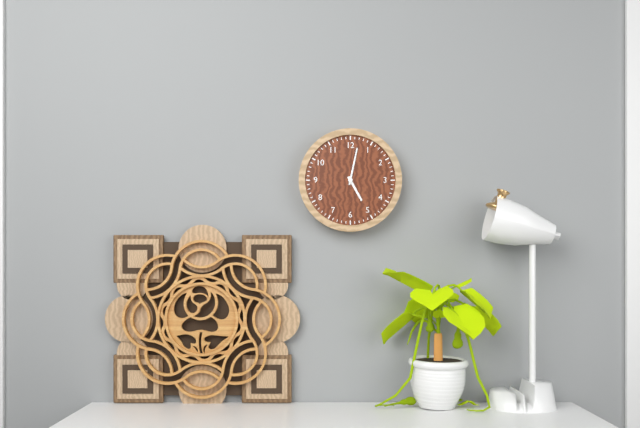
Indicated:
5.02
